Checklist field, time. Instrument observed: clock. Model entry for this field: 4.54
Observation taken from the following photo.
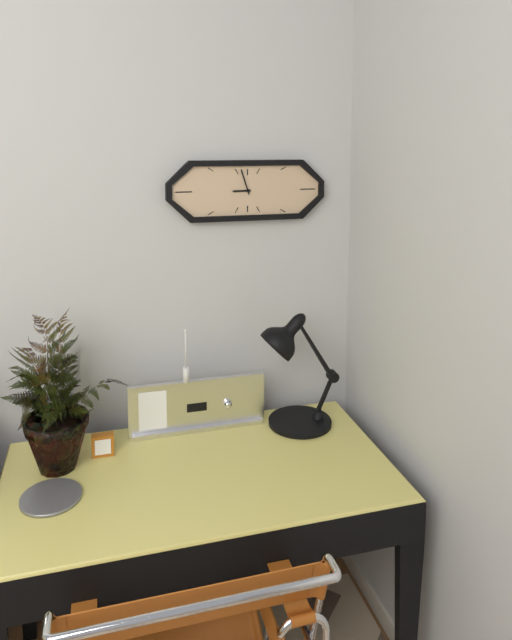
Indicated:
8.57
